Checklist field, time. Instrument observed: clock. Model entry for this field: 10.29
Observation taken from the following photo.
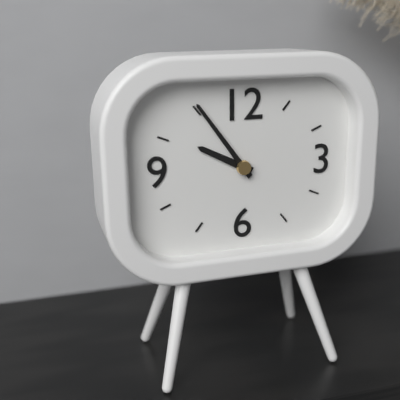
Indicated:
9.54
